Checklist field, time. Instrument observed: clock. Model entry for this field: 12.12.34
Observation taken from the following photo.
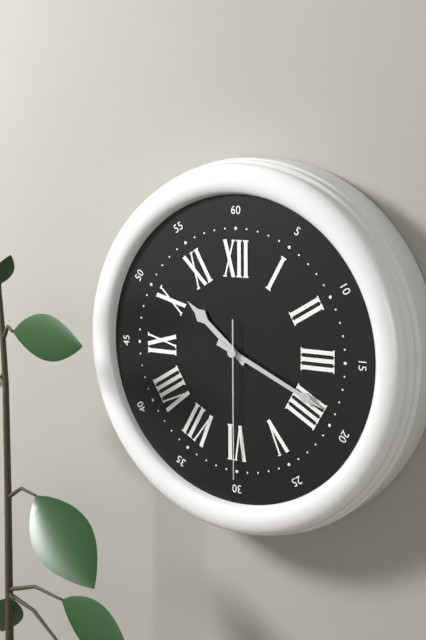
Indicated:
10.19.30
